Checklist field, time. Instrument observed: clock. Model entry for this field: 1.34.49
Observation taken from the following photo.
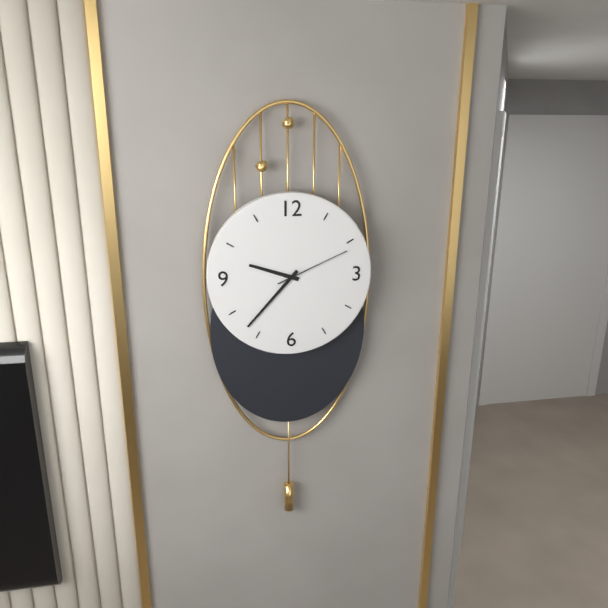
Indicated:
9.37.11
